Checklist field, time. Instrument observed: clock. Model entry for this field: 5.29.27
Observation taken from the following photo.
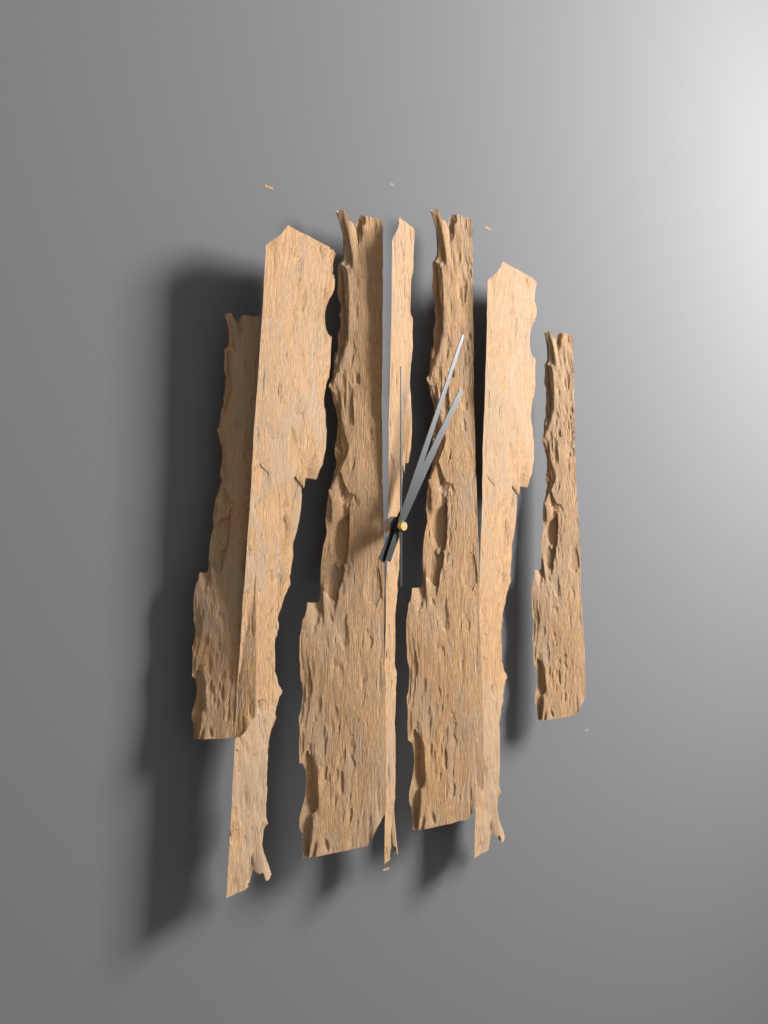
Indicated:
1.04.00
